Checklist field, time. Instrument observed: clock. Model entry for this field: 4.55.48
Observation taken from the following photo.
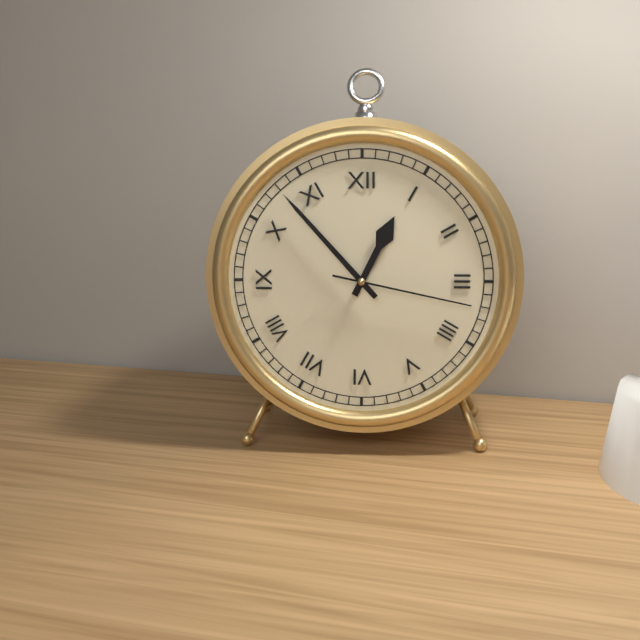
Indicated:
12.53.17
